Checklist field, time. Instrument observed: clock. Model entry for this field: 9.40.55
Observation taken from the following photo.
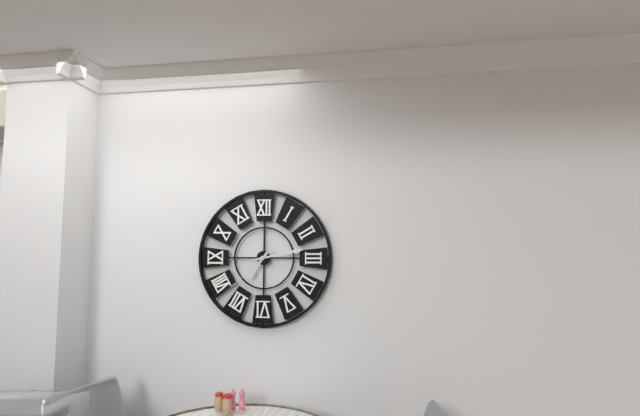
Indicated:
7.13.38
